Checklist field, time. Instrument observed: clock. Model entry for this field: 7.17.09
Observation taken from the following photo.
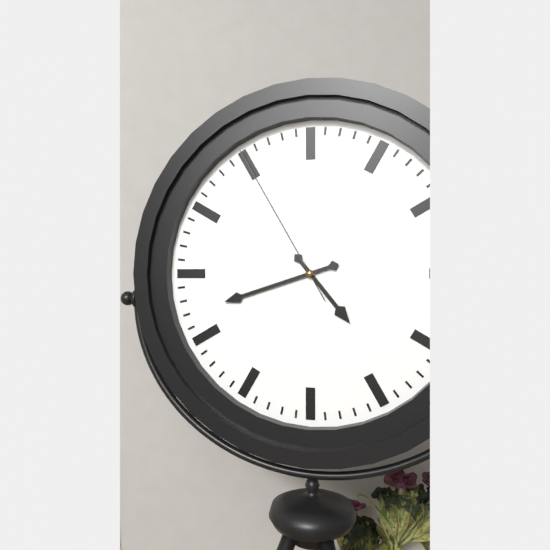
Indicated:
4.42.55
